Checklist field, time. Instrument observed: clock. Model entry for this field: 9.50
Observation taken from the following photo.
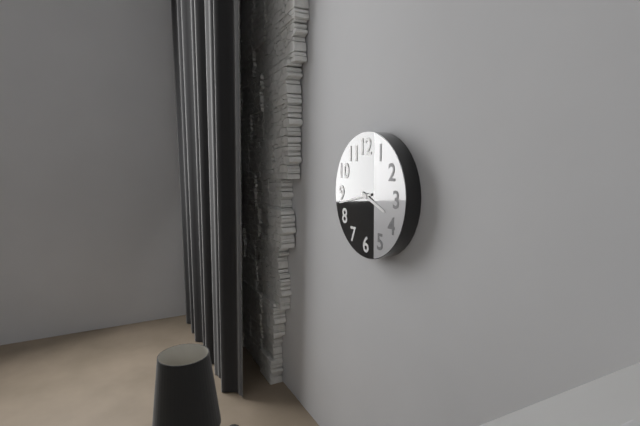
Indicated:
3.43
